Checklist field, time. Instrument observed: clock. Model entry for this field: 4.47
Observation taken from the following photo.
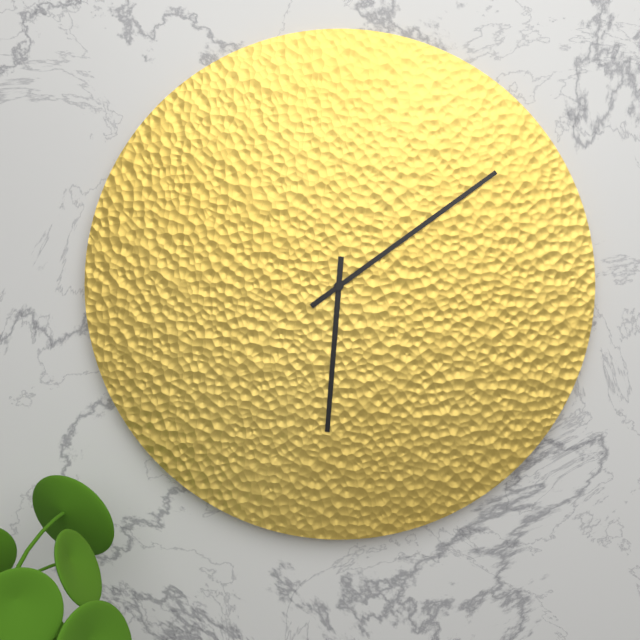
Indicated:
6.09
